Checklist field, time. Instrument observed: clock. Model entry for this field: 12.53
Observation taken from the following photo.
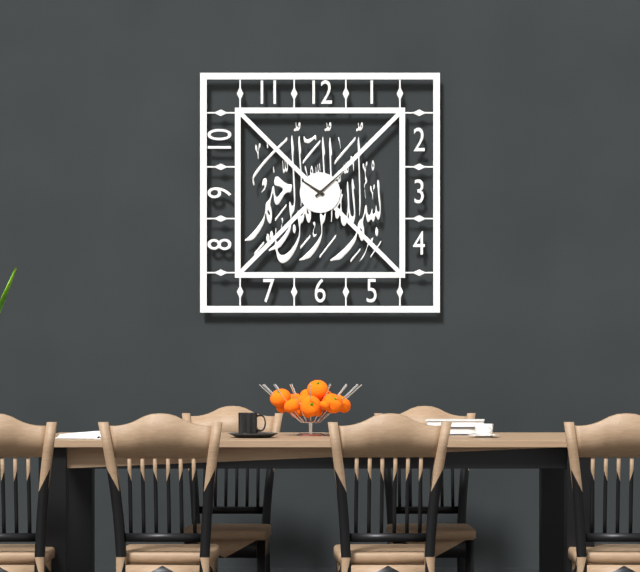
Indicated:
10.08
